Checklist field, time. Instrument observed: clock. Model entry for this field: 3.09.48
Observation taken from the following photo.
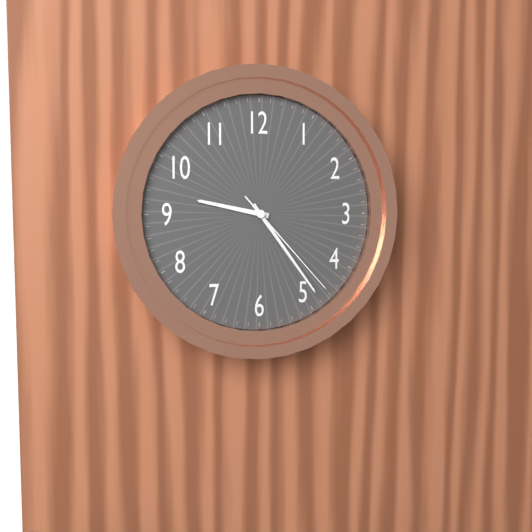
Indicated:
9.24.23
